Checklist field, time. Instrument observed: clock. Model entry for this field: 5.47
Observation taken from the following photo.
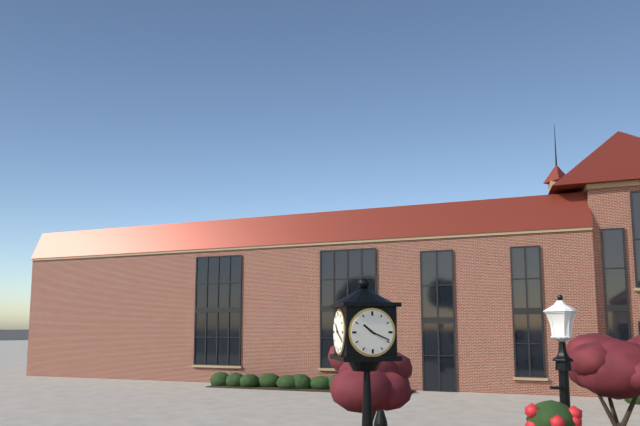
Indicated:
10.19
